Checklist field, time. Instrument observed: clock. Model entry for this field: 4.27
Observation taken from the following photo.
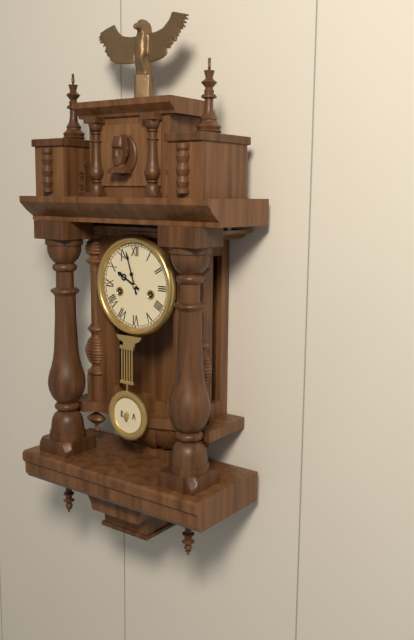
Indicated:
9.57
